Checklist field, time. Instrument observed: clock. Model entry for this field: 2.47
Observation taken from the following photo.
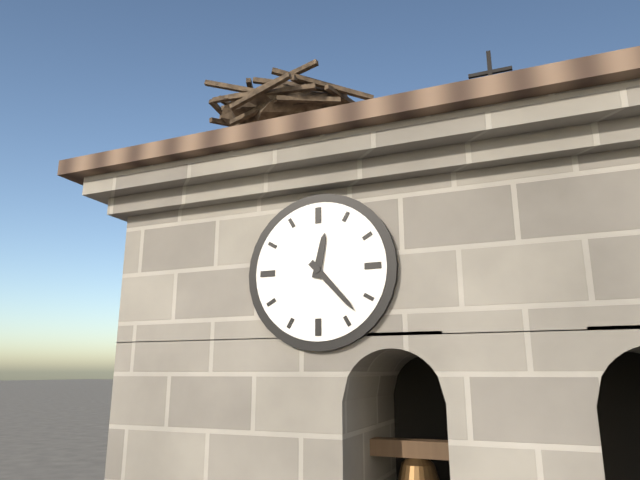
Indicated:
12.23
